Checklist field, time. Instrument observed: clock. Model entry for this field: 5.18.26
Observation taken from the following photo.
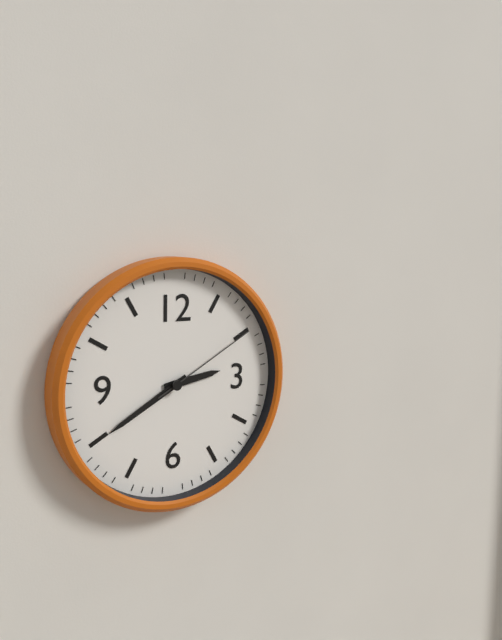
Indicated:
2.40.10
